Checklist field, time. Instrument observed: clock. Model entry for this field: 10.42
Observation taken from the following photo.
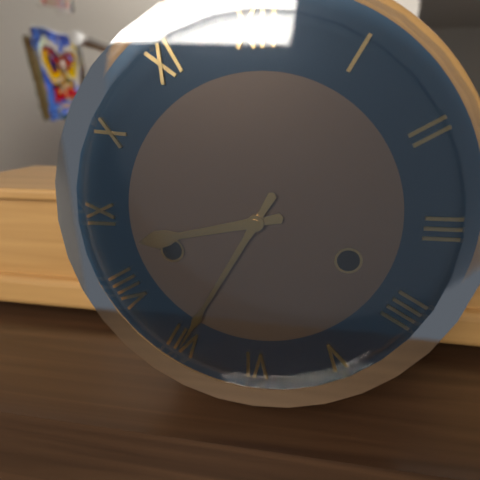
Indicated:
8.35
